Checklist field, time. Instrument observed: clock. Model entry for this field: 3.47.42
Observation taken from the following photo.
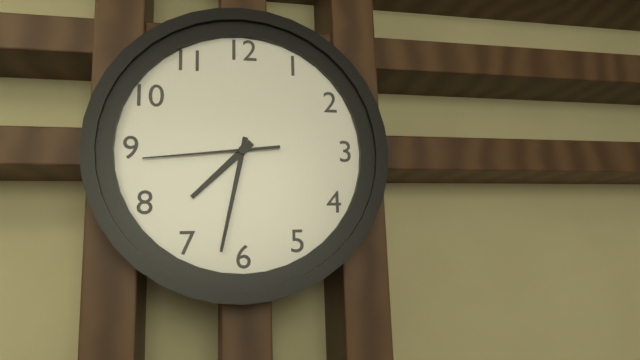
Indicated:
7.32.44
